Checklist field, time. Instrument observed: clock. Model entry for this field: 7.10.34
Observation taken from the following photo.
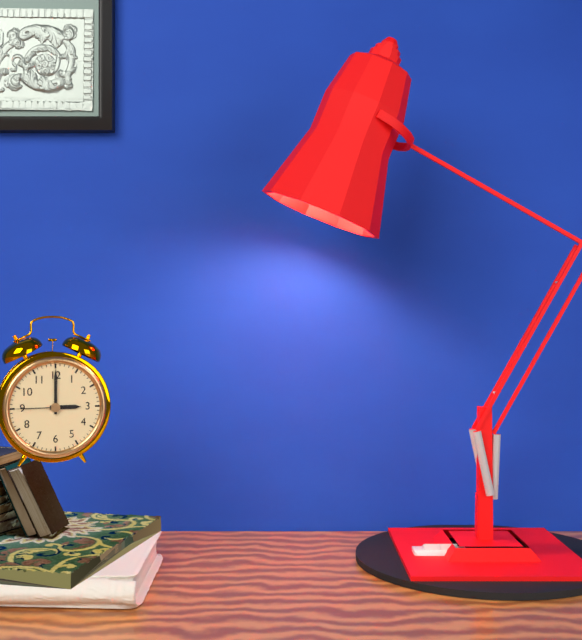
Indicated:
3.00.45
